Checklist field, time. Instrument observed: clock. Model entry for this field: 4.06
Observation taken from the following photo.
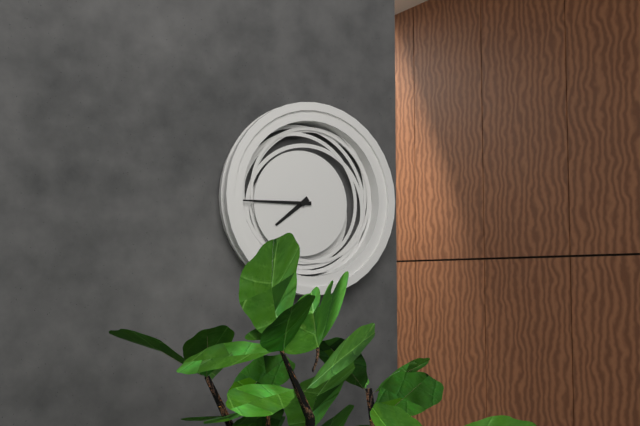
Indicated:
7.45
